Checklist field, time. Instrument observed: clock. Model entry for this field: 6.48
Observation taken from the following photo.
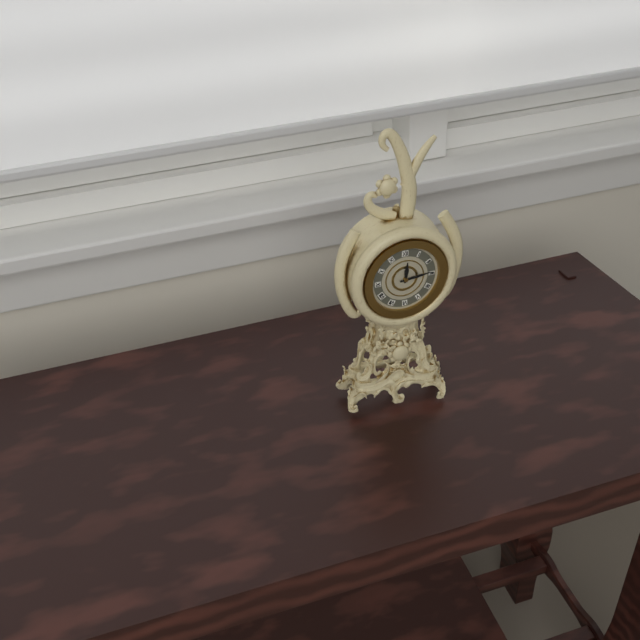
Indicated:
12.14
